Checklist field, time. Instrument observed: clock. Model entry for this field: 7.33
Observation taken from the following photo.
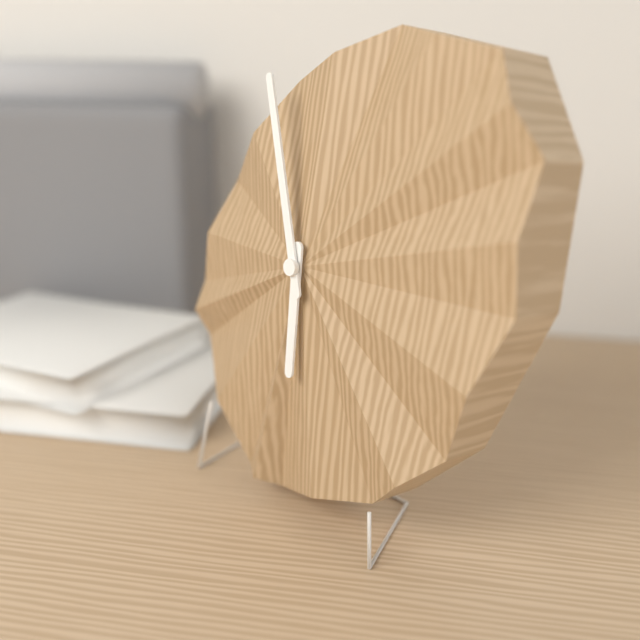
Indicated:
5.57
